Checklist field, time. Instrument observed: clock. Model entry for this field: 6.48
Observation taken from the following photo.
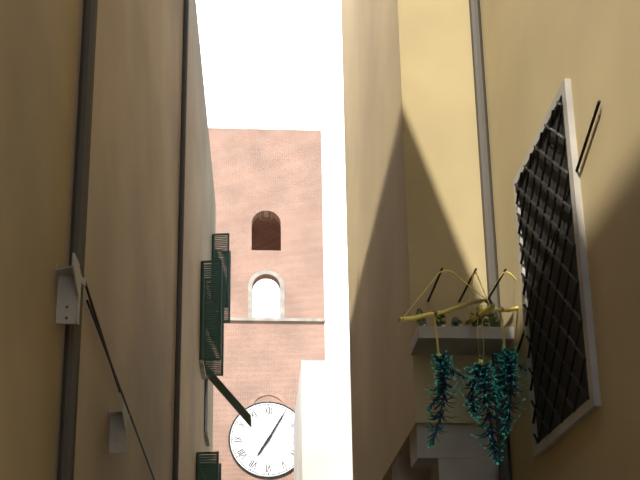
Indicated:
7.05
